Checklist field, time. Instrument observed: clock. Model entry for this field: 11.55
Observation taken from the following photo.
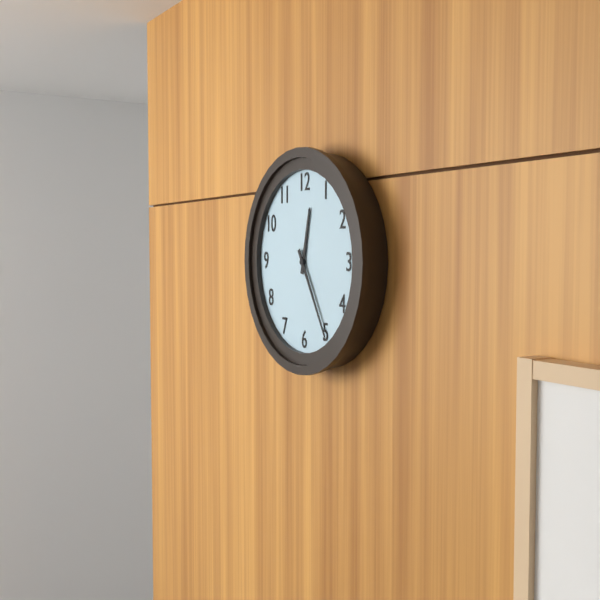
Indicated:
12.25
